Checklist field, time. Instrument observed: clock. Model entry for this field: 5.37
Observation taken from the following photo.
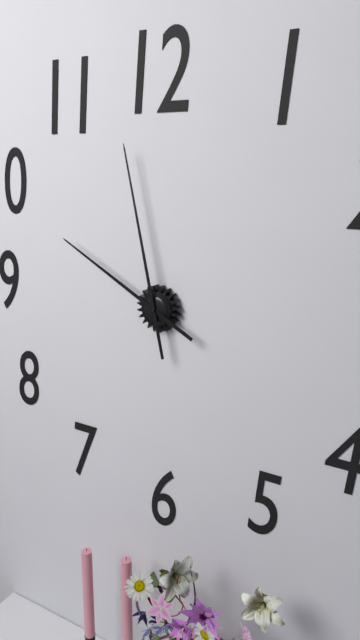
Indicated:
9.58
